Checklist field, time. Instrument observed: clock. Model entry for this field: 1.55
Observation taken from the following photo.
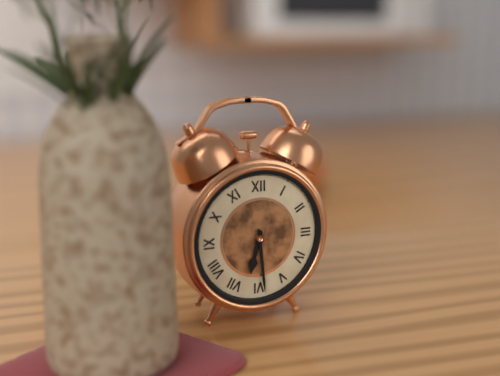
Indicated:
6.29
